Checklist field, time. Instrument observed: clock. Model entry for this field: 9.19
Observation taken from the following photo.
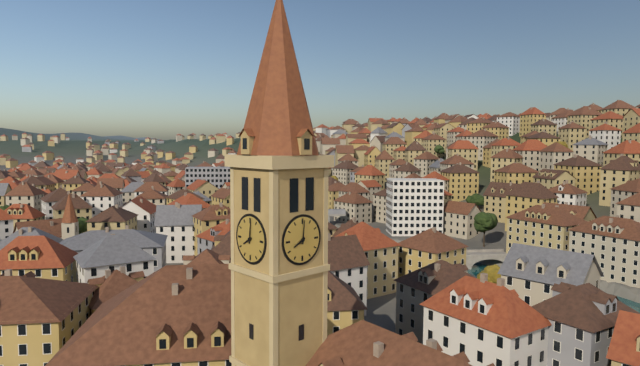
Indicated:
8.01
